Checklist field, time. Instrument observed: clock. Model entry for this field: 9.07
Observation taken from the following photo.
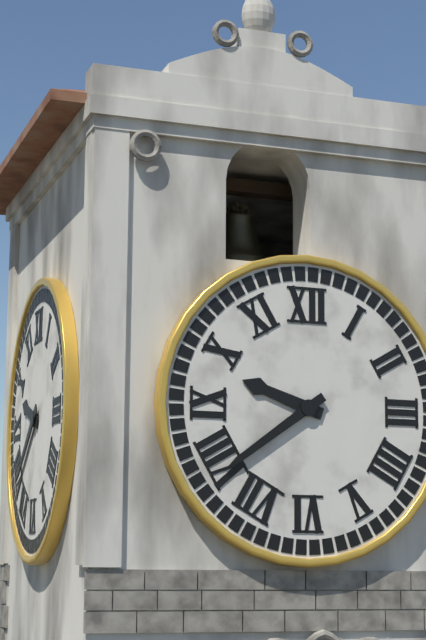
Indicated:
9.39
